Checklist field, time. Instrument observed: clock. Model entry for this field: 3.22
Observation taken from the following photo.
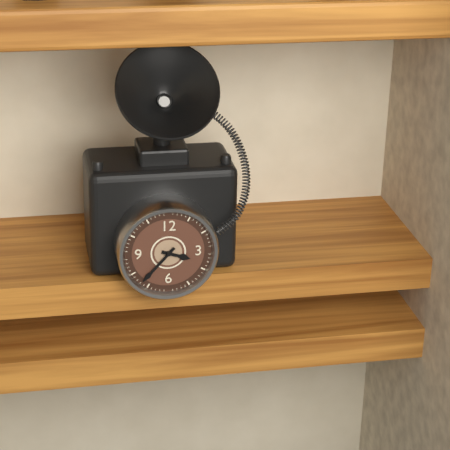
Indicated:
3.37
